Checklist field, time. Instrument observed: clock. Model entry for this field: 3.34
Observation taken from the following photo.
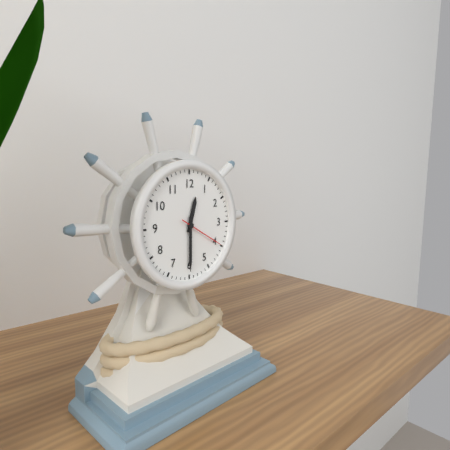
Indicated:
12.30
